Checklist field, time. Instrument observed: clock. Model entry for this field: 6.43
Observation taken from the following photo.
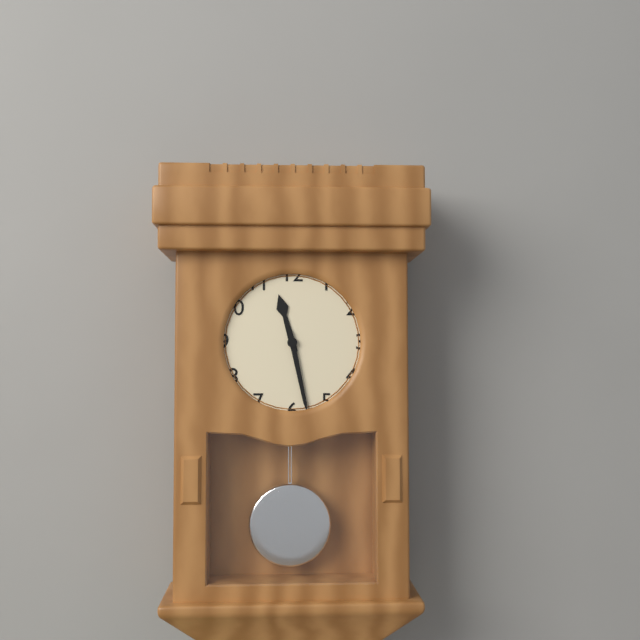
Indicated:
11.28
